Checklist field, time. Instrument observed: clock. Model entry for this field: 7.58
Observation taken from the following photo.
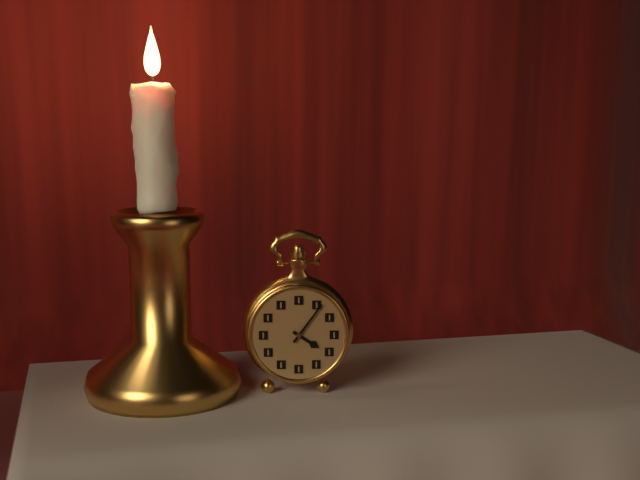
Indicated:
4.06
